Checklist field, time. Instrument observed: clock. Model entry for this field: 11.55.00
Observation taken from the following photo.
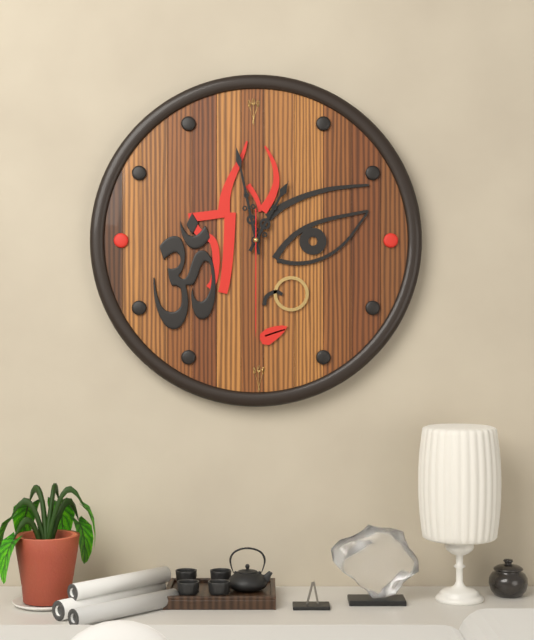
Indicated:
12.58.30
